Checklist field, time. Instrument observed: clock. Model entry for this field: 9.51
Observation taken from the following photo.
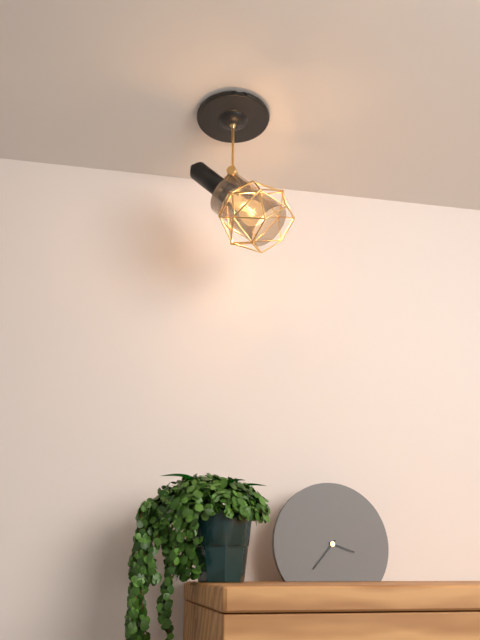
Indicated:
3.37
